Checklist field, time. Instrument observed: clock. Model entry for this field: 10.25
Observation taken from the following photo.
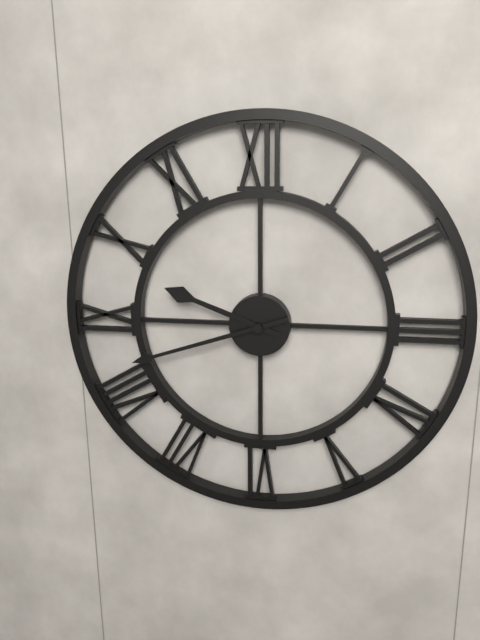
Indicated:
9.42
